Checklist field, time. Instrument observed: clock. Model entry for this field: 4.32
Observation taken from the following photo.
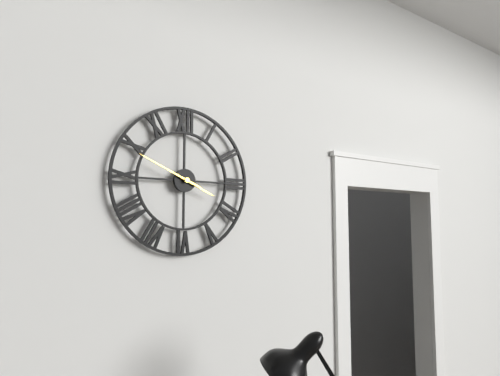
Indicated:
3.49
